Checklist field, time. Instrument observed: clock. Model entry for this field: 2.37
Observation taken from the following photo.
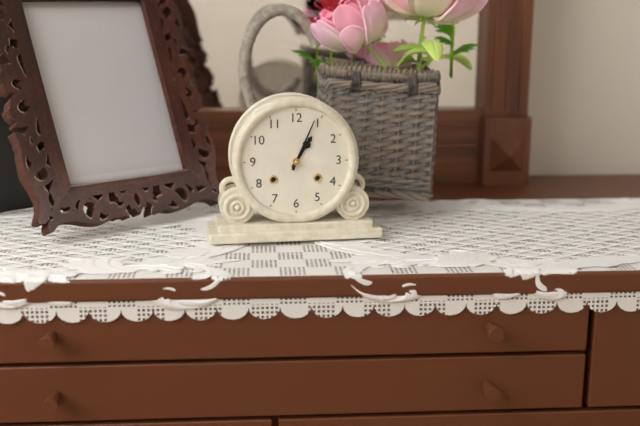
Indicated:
1.04
